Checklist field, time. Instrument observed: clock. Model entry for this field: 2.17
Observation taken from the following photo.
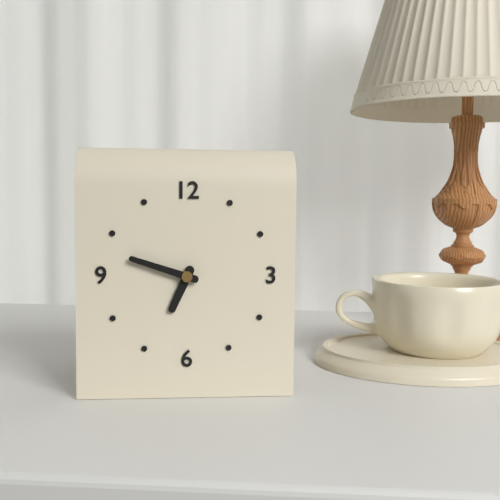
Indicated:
6.48
